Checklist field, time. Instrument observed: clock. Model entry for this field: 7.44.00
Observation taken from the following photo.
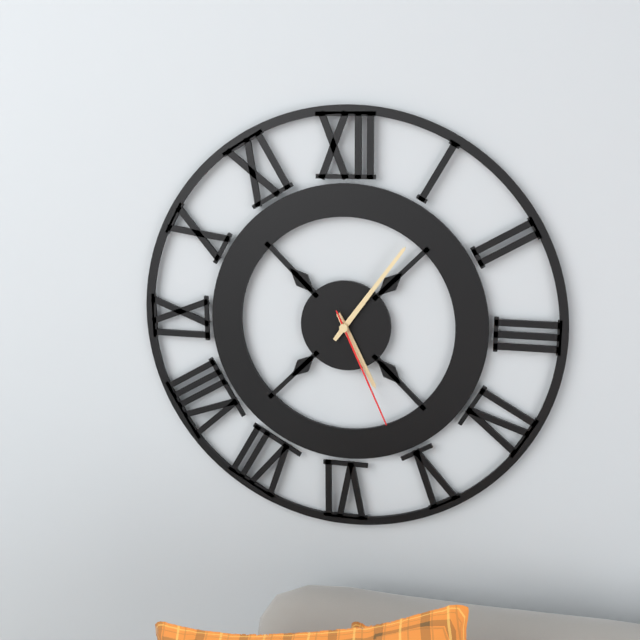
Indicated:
5.06.26
